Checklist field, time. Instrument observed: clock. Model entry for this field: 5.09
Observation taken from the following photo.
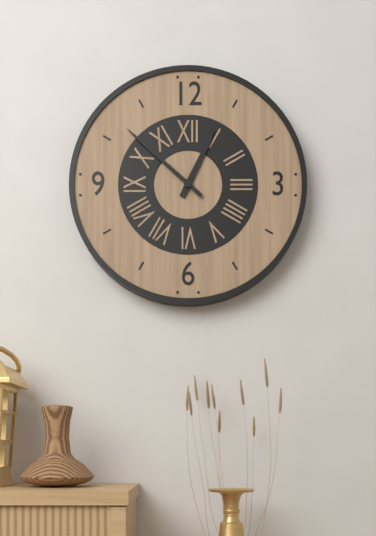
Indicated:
12.52
